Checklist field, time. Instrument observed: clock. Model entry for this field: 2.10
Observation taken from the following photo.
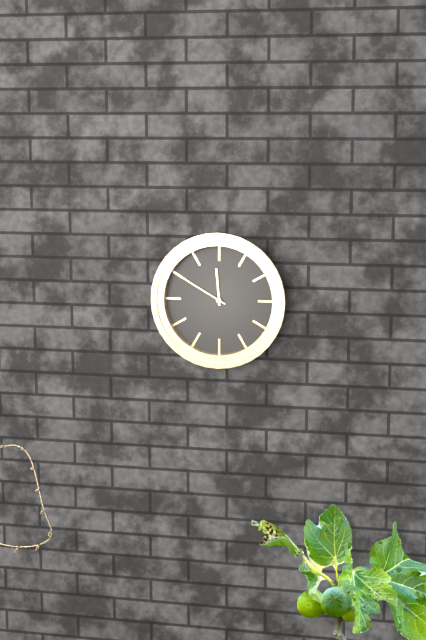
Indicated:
11.50
